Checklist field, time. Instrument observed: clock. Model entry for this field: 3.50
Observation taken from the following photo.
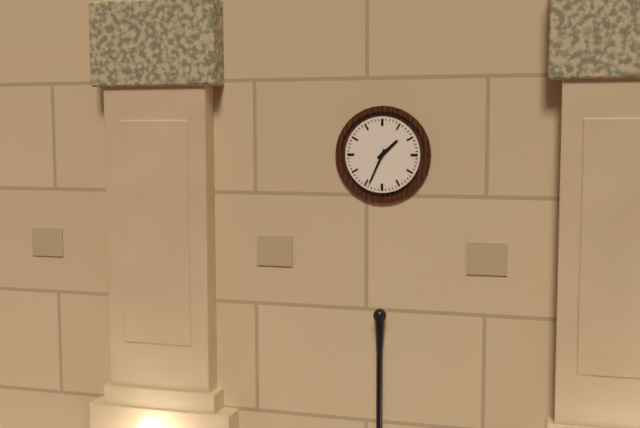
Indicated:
1.34
